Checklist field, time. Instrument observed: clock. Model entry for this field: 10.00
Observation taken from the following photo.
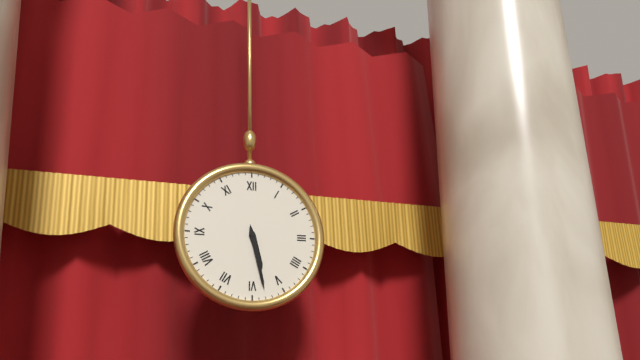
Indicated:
5.28
